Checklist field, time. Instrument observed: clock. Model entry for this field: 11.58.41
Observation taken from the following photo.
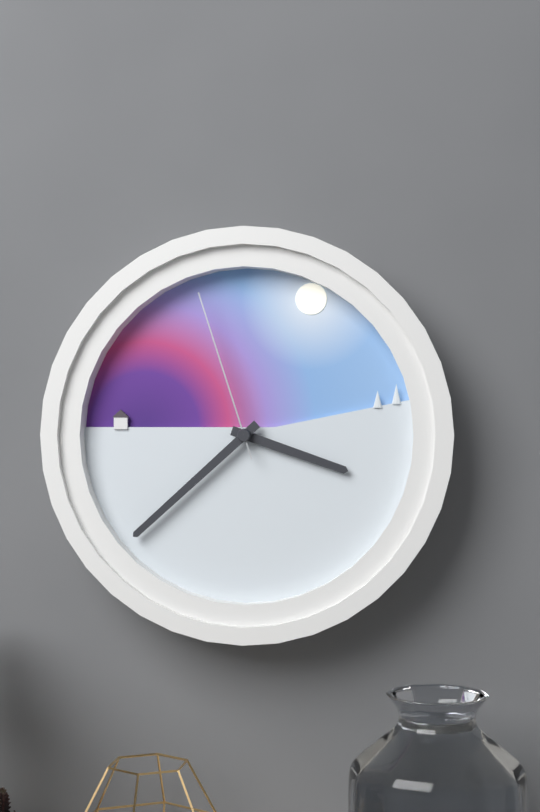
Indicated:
3.38.57
